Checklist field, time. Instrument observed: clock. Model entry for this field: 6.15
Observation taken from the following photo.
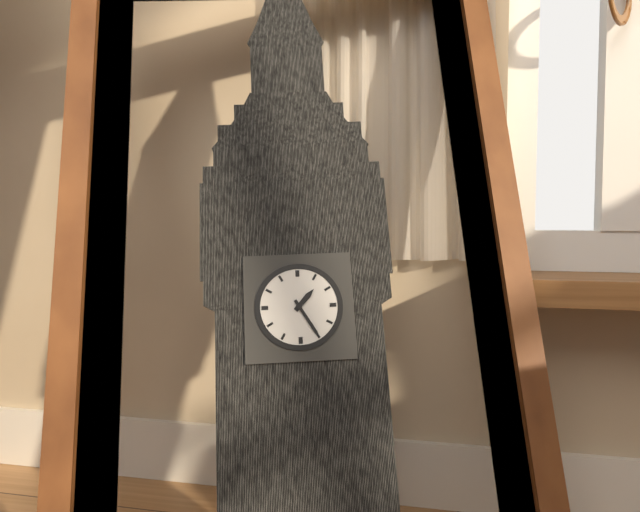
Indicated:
1.25
